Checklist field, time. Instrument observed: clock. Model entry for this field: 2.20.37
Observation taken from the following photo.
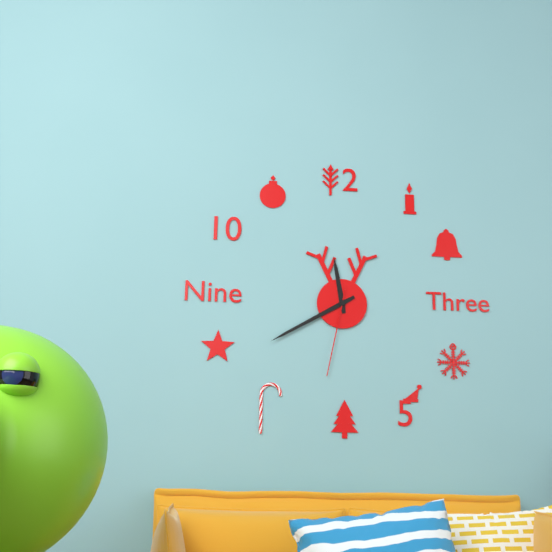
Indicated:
11.40.32
